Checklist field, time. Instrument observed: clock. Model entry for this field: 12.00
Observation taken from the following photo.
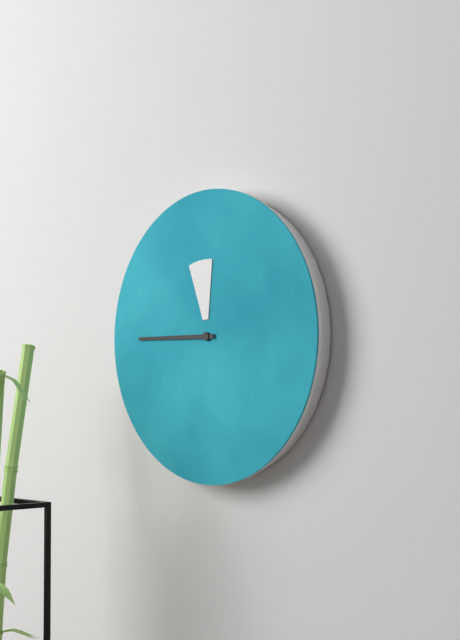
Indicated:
11.45
